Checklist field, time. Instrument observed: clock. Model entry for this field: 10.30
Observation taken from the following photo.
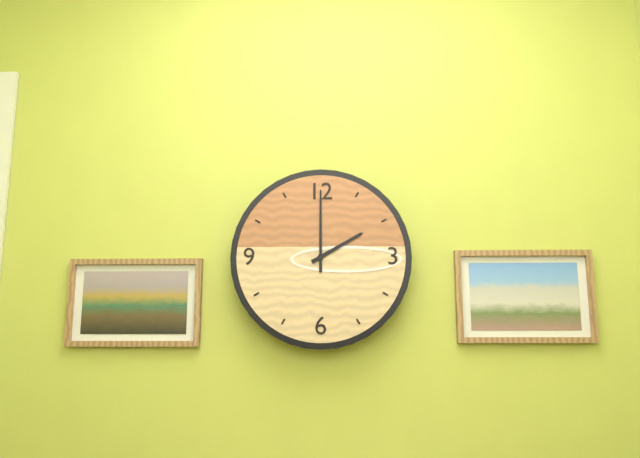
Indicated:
2.00
